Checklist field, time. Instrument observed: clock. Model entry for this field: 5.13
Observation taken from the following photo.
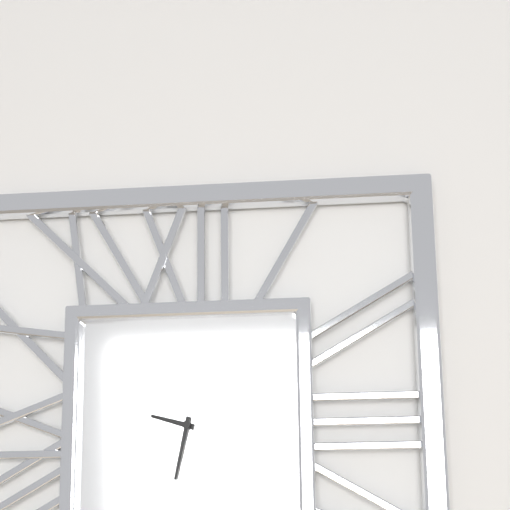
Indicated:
9.32
